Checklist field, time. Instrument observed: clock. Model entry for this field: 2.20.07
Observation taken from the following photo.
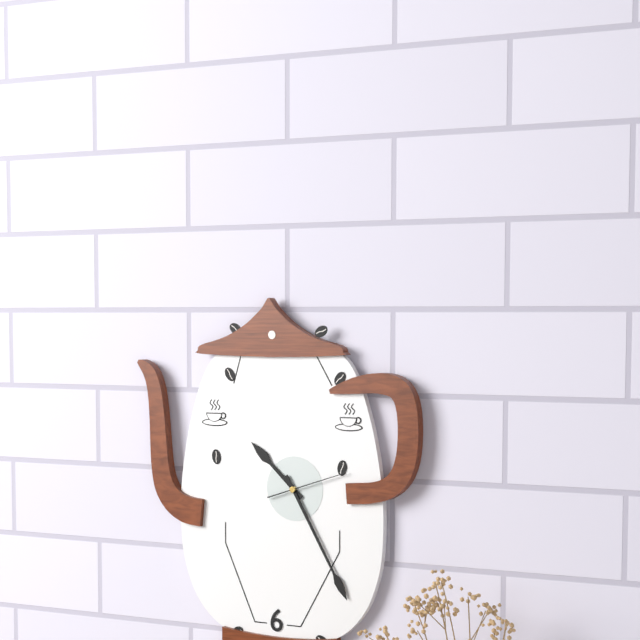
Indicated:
10.25.12
